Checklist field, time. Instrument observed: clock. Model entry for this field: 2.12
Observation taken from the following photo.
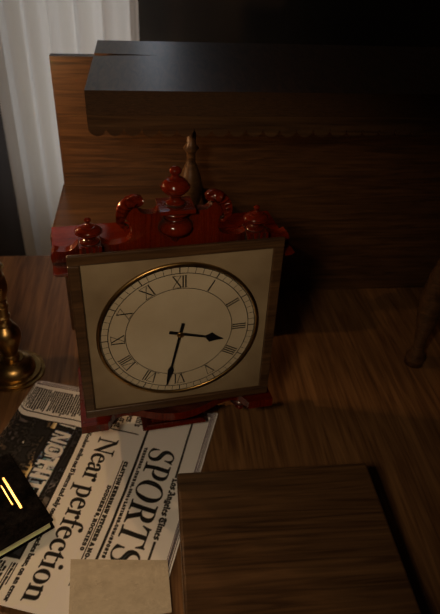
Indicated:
3.32
